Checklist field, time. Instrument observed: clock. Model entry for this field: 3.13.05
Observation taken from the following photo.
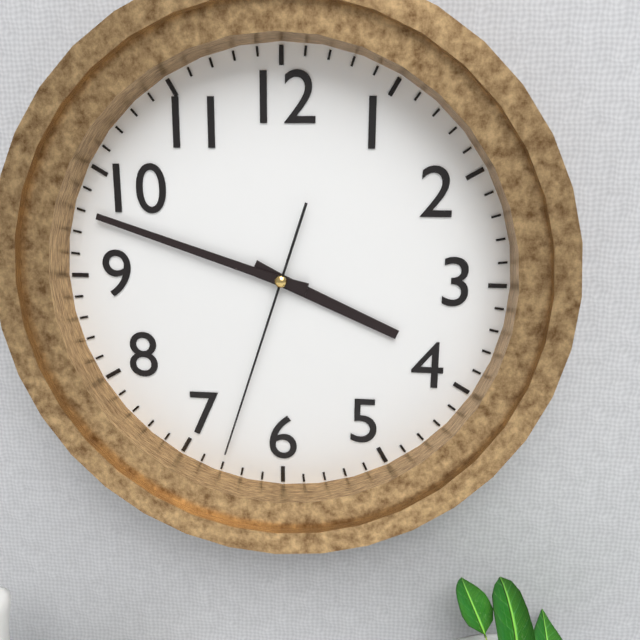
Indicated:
3.48.33
